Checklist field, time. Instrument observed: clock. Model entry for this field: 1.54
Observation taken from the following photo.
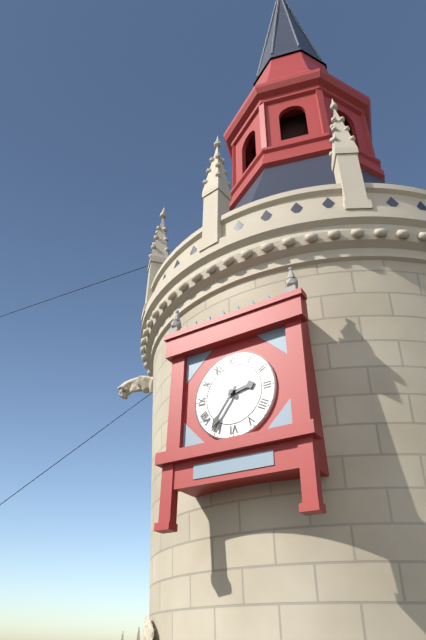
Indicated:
2.36
